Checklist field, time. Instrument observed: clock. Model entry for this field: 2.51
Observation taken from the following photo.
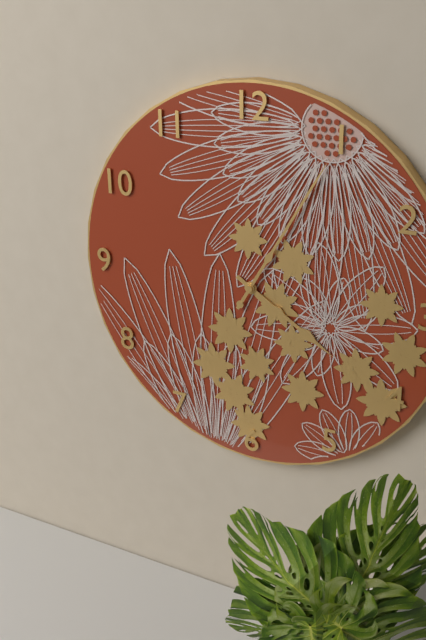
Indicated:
4.05
